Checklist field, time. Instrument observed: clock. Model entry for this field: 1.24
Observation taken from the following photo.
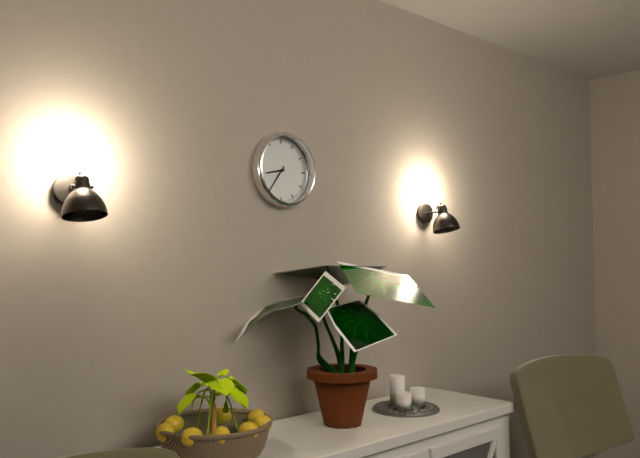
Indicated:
8.36
